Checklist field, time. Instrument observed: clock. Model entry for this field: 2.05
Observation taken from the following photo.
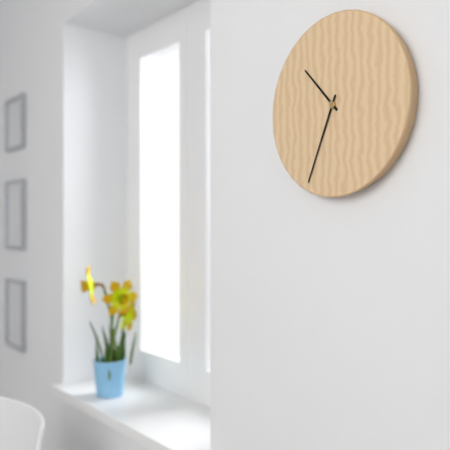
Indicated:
10.34
